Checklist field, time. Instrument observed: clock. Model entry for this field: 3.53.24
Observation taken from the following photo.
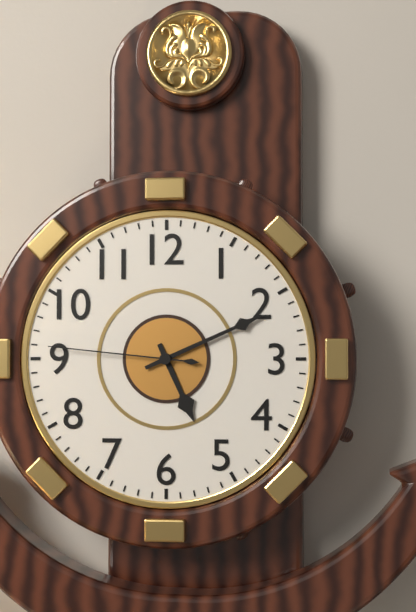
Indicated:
5.11.46
